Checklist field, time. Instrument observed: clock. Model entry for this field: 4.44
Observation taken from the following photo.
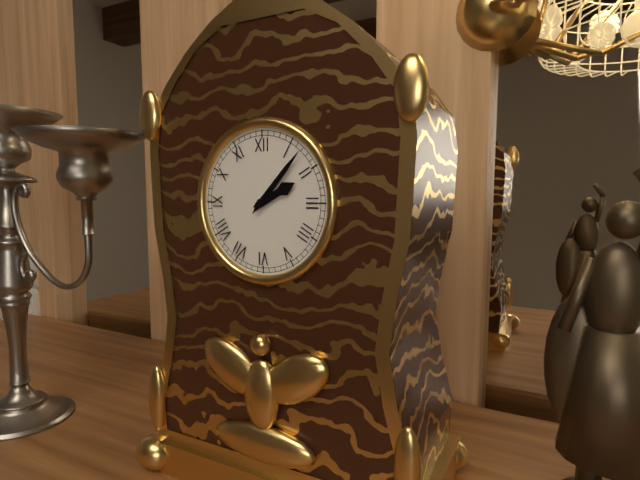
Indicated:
2.07
